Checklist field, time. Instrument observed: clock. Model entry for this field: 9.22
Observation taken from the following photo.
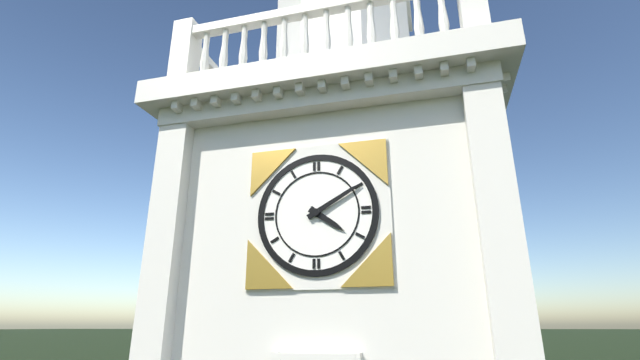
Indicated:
4.10
